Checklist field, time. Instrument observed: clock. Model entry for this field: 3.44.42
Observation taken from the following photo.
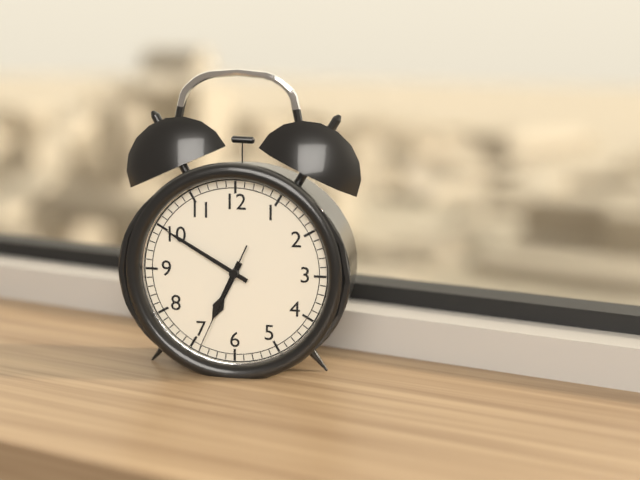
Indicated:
6.50.34
